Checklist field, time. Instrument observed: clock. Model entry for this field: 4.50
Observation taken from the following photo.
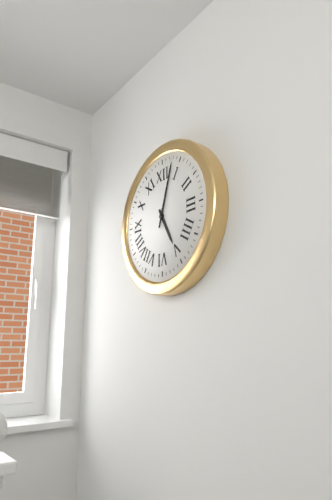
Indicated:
5.03
